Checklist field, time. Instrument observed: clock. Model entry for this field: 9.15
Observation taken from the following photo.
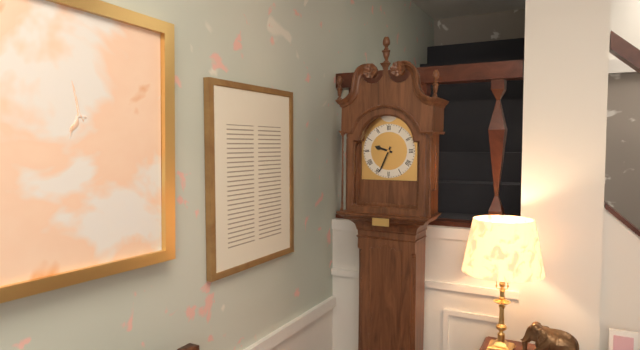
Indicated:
9.34
